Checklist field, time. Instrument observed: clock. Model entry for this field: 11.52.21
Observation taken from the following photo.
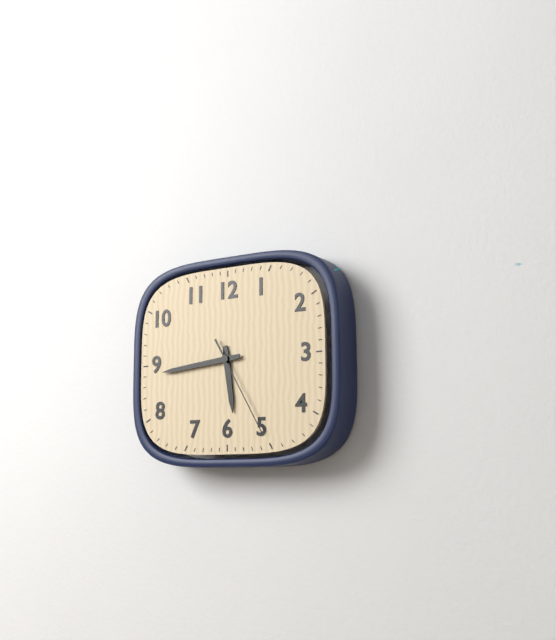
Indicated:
5.44.25
